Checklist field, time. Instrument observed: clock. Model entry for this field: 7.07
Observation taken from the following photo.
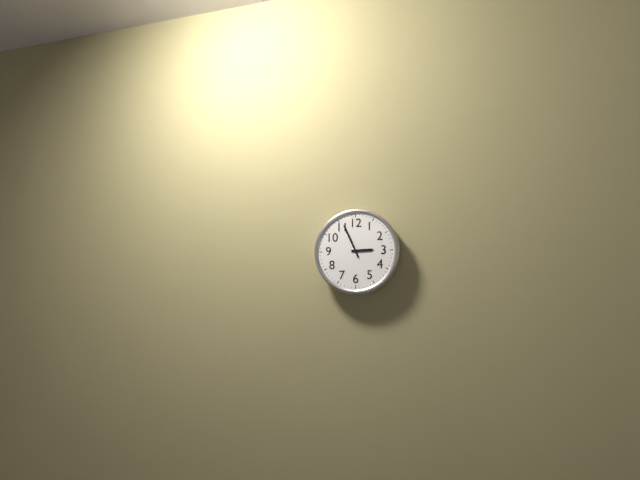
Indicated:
2.56
